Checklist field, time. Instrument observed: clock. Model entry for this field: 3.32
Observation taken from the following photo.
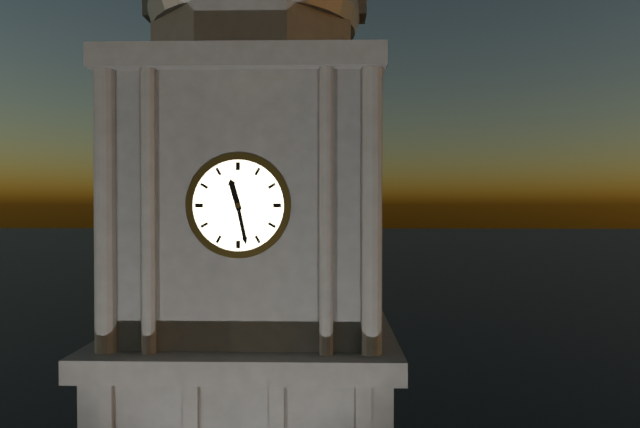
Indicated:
11.28
